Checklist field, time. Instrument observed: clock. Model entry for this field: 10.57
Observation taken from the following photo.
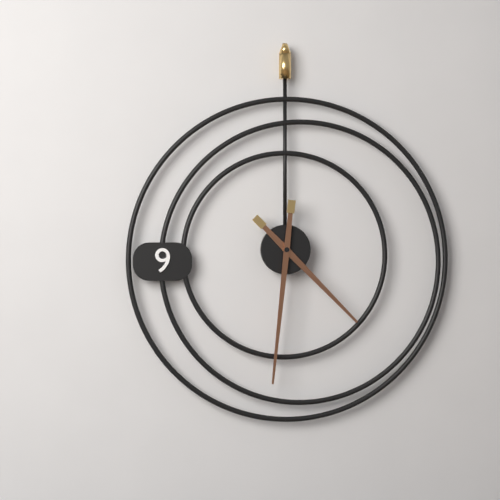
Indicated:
4.31
